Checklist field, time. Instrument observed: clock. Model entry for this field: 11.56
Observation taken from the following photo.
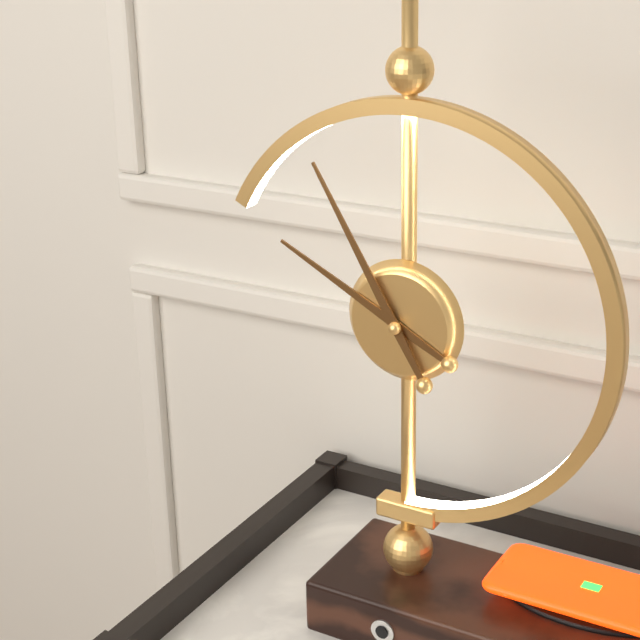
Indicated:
9.55
